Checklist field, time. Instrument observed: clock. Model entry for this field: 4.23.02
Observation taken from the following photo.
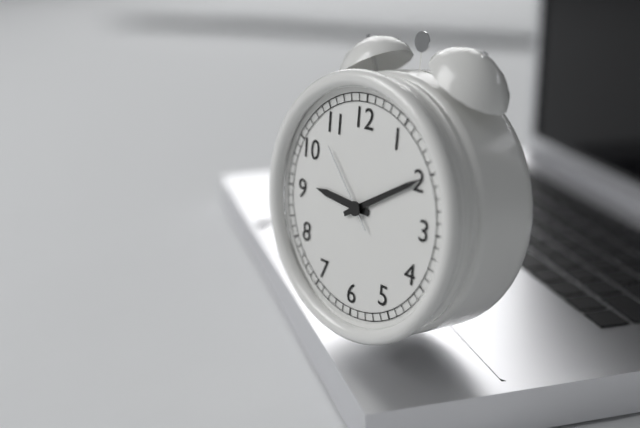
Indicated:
9.10.53
